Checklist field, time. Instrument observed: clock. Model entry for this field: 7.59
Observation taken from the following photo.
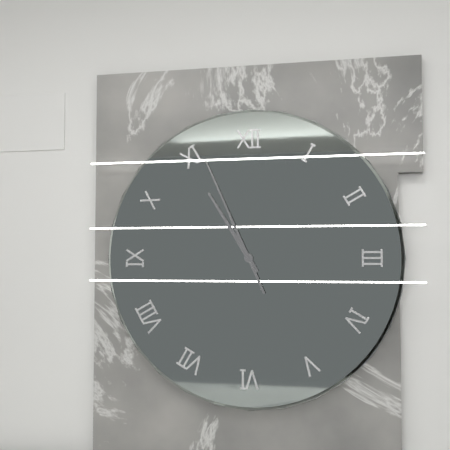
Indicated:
10.56
